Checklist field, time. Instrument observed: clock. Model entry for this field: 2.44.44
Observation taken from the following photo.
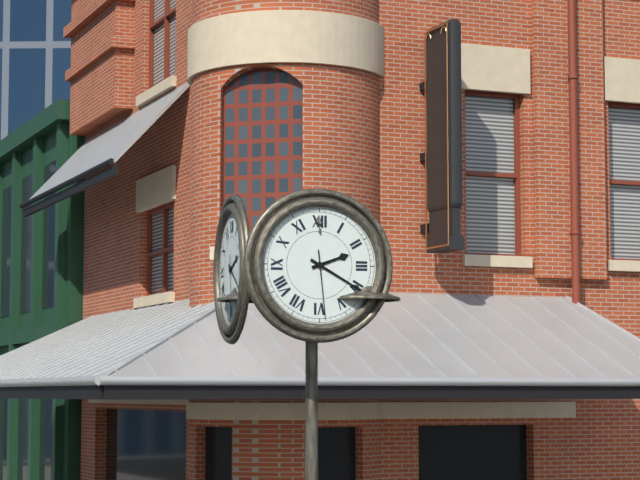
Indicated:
2.20.29
